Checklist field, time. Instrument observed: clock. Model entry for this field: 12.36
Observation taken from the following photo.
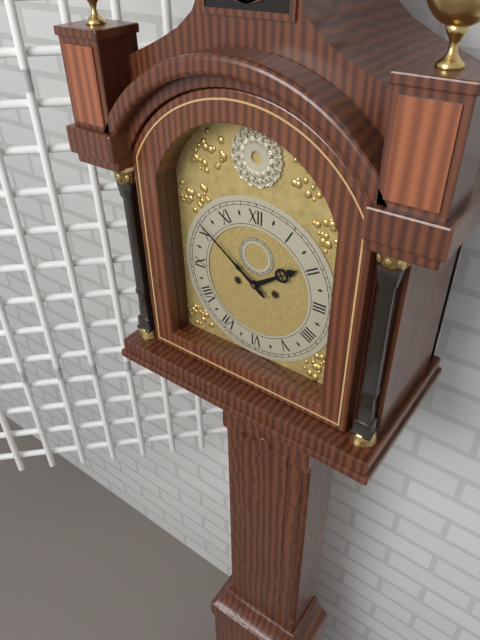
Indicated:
1.51
